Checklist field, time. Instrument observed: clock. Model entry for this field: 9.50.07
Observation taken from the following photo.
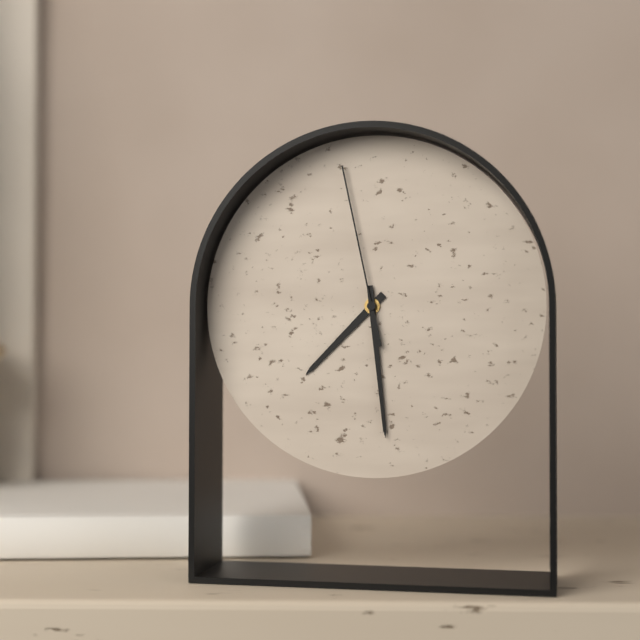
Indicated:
7.29.58
